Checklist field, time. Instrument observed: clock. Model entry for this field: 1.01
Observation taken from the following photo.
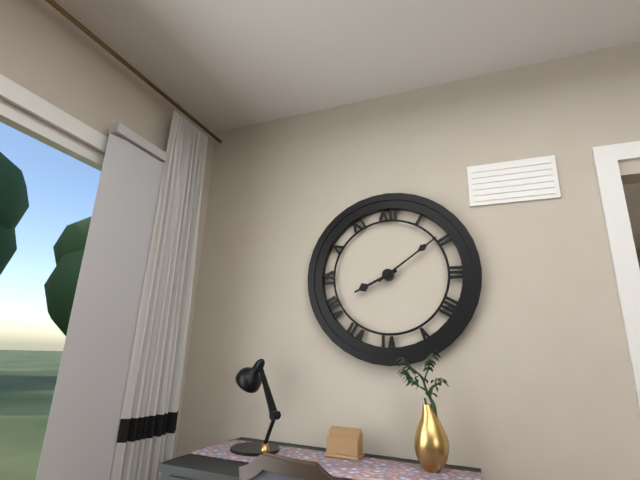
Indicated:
8.09
